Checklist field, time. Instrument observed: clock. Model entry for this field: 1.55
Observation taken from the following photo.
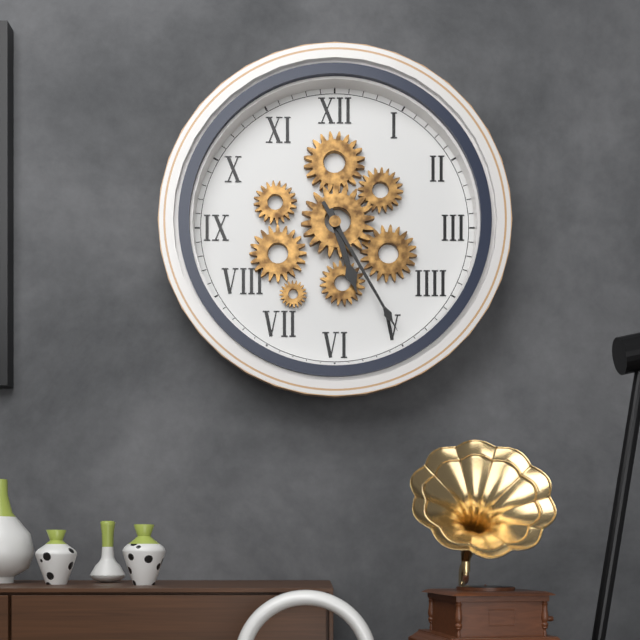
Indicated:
5.25
